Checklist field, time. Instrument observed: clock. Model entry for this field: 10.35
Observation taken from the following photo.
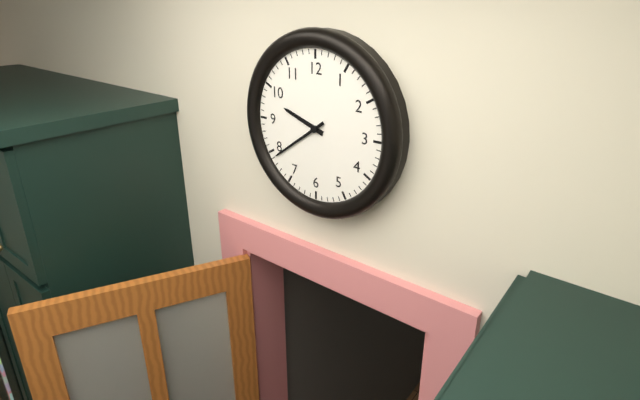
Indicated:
9.39
